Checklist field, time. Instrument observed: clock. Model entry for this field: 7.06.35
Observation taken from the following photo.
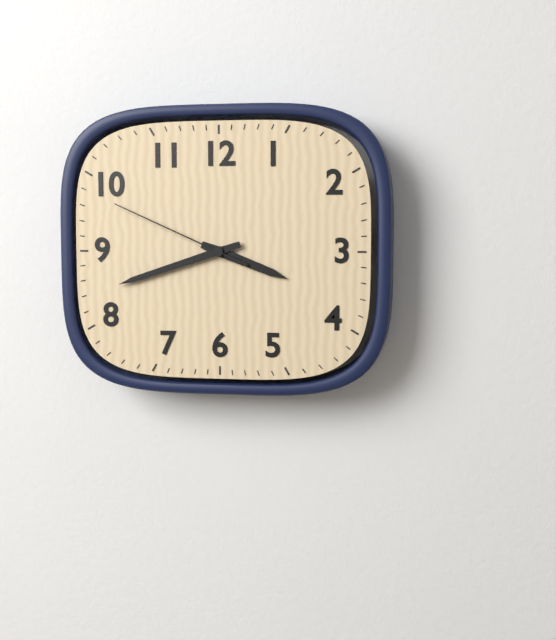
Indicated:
3.42.49
